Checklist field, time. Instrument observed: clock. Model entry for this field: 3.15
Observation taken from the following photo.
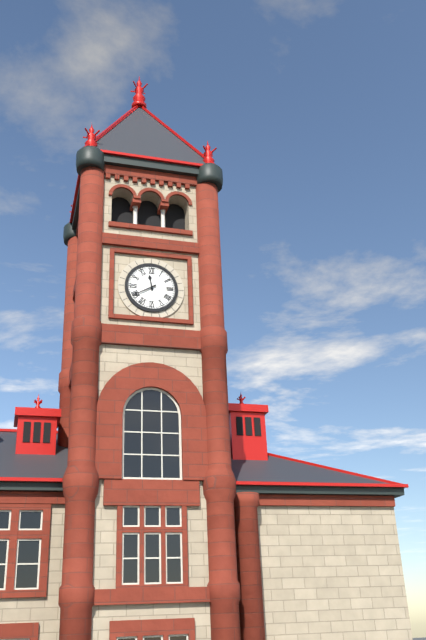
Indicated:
11.40
